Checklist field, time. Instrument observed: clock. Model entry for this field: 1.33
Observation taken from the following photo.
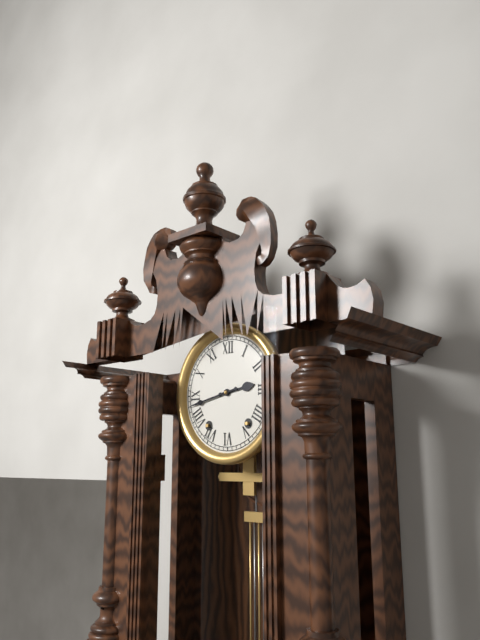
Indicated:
2.43
